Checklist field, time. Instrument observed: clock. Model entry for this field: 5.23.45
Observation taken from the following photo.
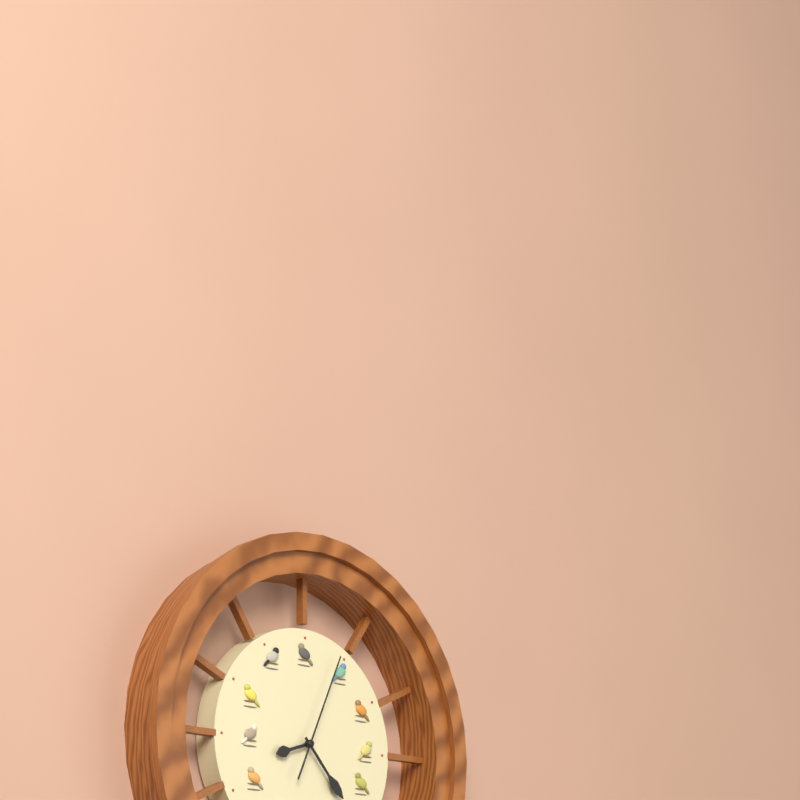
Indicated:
8.23.04
